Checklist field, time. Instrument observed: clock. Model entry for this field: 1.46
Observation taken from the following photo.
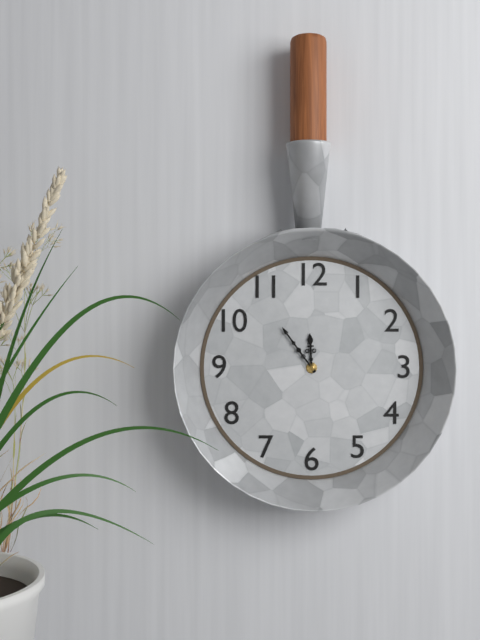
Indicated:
11.54
